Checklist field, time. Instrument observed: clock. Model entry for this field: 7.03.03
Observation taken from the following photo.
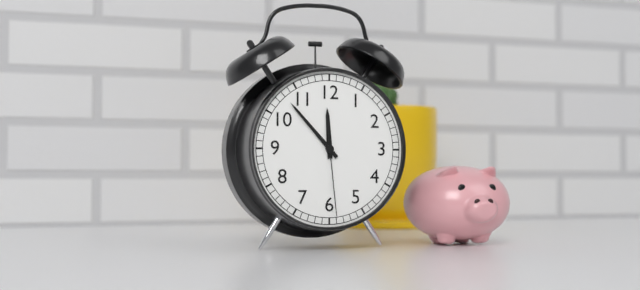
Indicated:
11.53.29
